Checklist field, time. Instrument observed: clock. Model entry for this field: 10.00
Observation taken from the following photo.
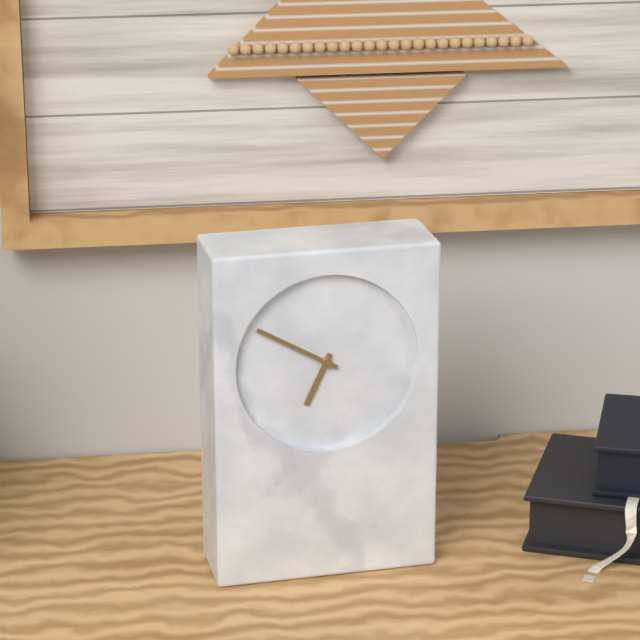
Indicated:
6.50
